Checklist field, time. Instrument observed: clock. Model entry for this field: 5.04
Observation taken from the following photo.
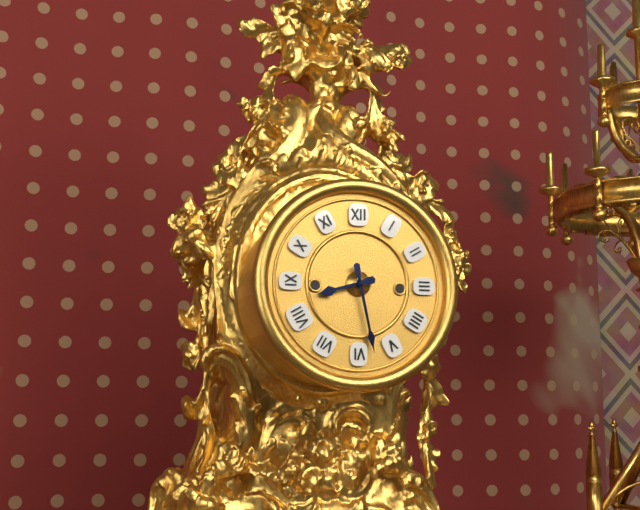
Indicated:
8.28
